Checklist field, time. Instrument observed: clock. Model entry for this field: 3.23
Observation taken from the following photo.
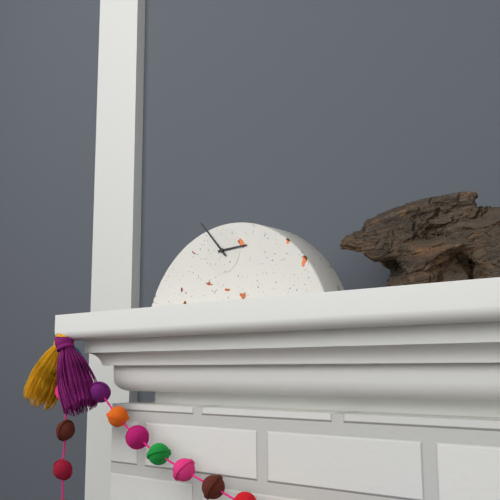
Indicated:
2.53
